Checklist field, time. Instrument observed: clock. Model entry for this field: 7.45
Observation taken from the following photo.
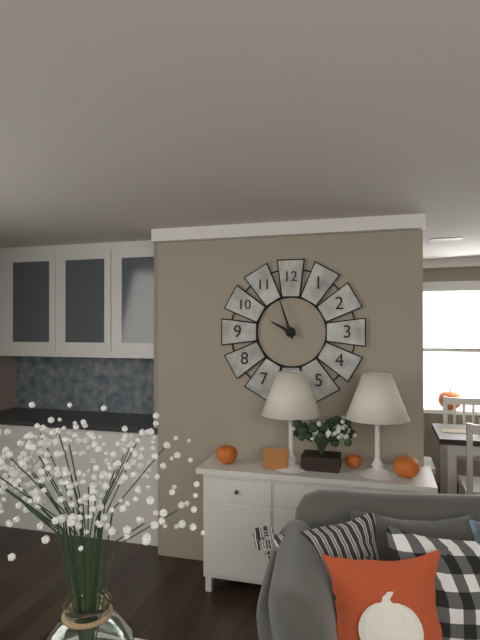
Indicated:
9.57
